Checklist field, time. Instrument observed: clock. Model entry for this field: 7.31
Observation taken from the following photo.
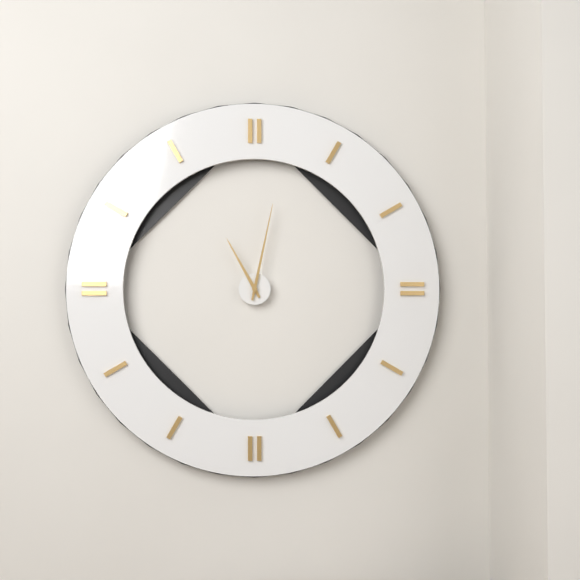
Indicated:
11.02
